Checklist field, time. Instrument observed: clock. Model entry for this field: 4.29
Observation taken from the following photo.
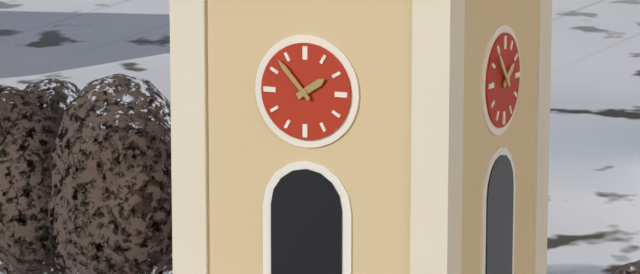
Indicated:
1.53
